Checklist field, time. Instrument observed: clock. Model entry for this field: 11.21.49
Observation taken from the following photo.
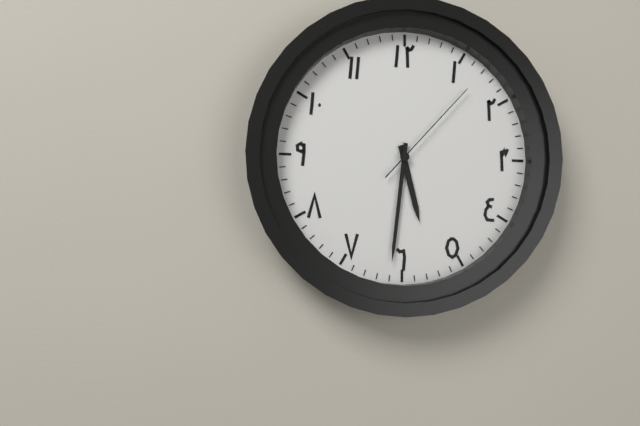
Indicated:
5.31.07
